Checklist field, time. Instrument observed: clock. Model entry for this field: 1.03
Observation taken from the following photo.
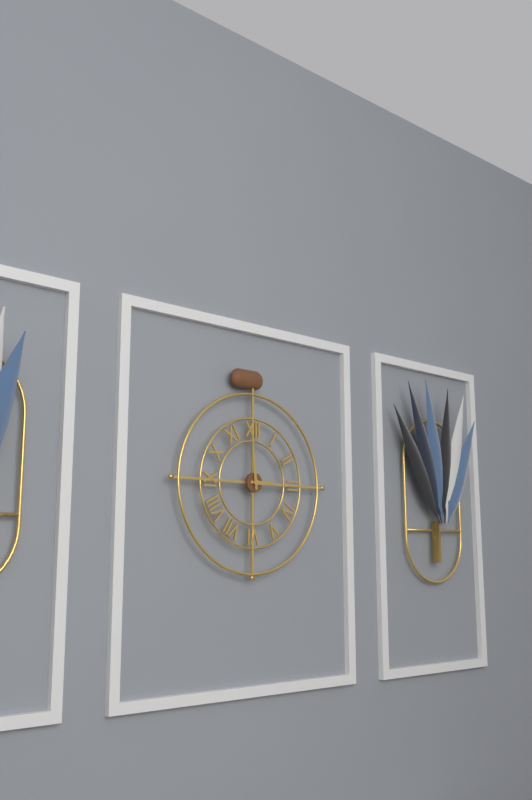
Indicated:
2.59
